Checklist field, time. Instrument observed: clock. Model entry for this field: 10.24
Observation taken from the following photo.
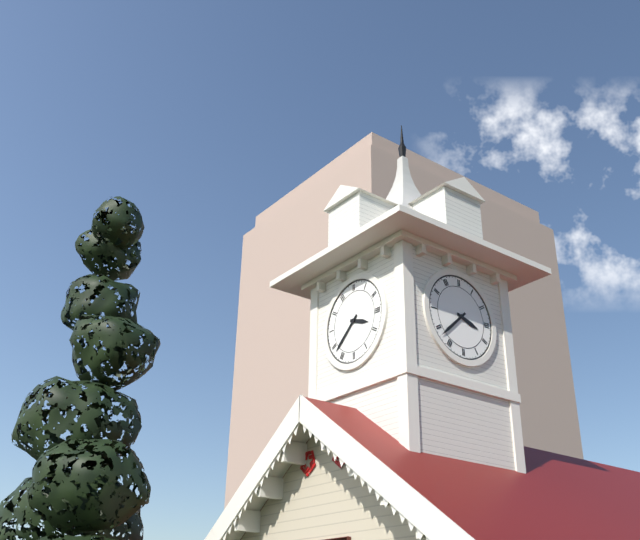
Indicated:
3.38
